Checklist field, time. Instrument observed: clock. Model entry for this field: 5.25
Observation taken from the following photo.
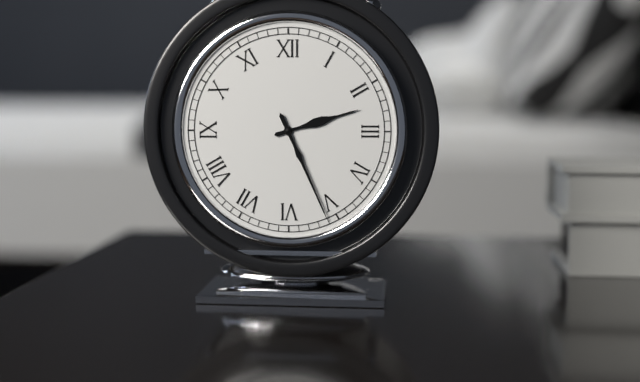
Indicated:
2.26
